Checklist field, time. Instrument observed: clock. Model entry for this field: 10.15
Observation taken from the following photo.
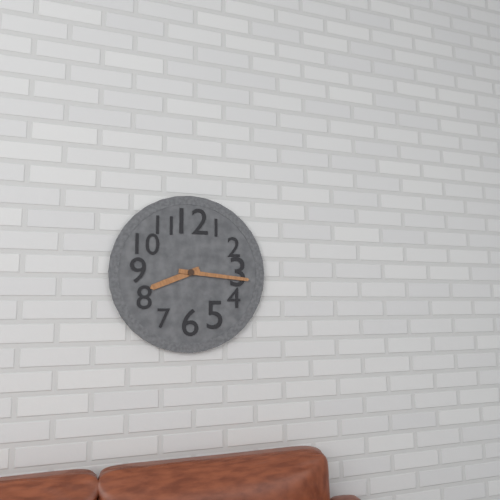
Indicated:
8.16
